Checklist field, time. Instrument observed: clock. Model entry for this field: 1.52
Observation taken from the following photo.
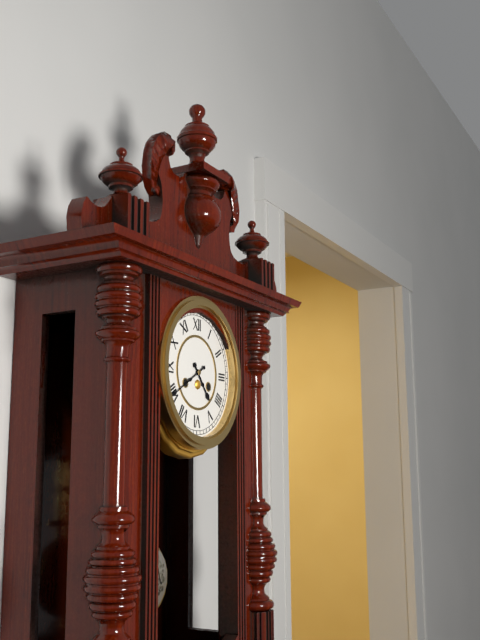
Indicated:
4.40
